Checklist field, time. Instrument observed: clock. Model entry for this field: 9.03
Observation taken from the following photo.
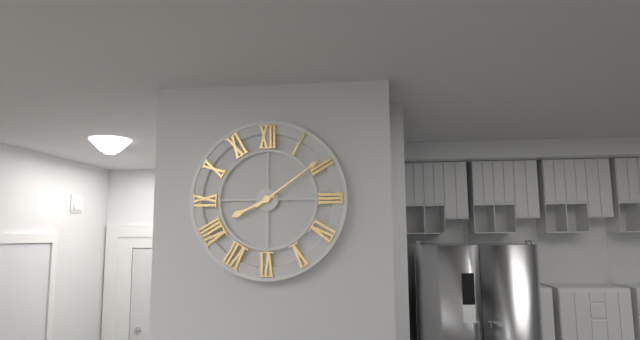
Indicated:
8.09
